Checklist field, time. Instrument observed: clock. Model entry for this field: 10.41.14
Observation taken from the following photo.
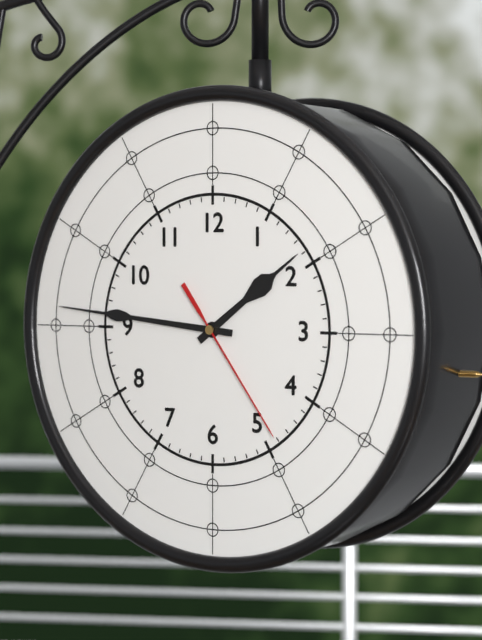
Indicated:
1.46.24
